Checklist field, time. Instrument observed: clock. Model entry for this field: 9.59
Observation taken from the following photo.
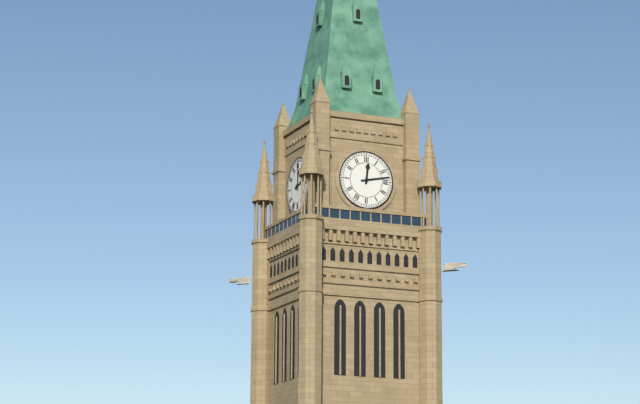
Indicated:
12.13
